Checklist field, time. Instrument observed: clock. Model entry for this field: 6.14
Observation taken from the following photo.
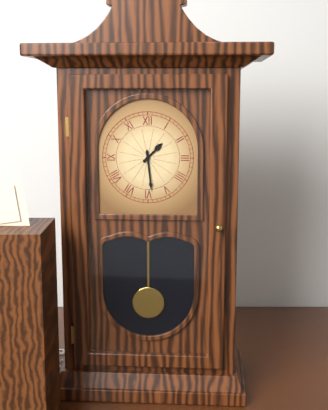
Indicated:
1.29
